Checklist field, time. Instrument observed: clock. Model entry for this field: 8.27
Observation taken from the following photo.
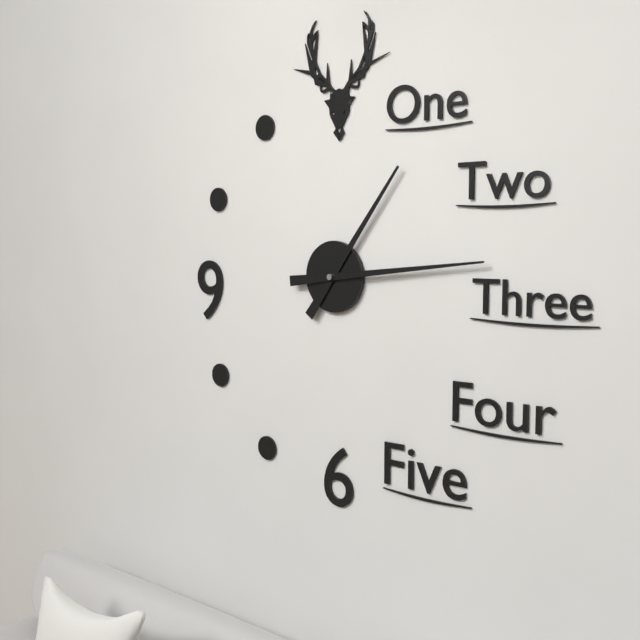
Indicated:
1.14
